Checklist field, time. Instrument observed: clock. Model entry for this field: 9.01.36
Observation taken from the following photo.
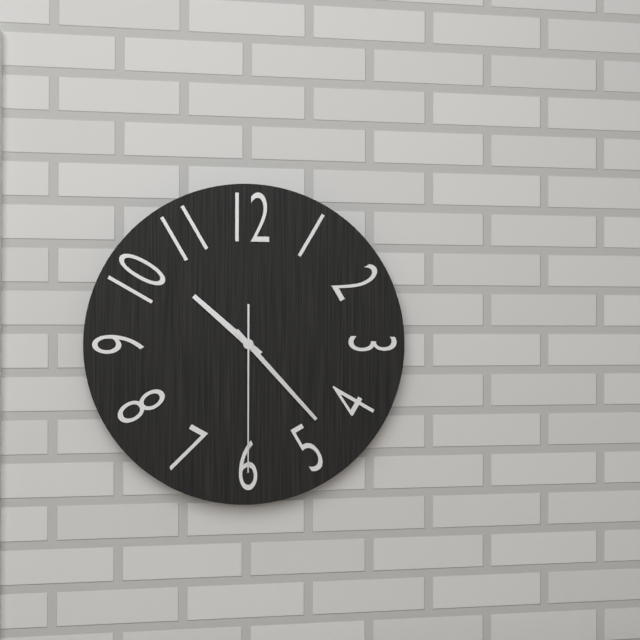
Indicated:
10.23.30
